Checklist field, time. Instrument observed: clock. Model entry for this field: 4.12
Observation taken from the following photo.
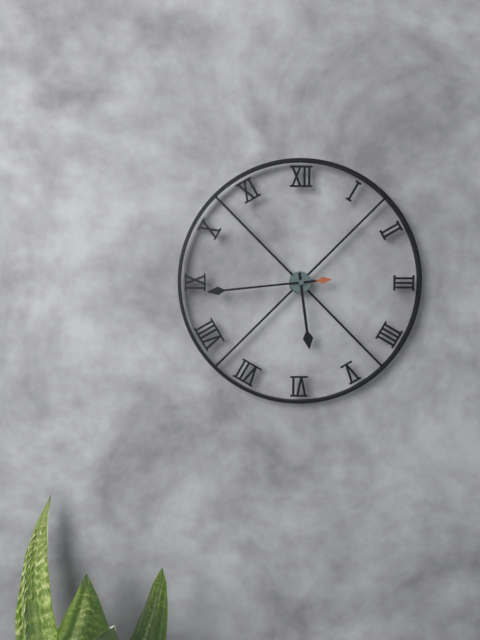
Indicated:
5.44
